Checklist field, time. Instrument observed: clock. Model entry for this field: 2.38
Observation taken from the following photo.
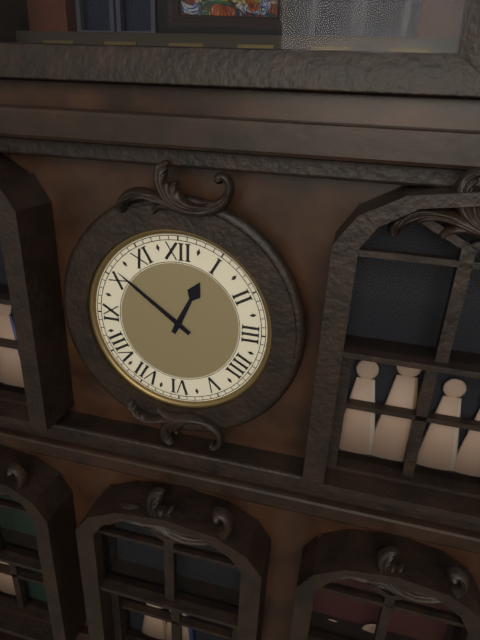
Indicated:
12.51
